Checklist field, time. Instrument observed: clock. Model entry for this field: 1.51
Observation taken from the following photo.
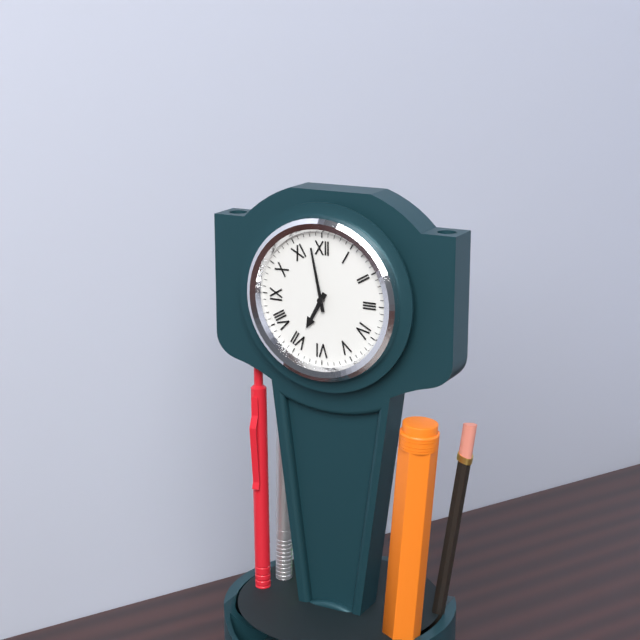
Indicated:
6.58
